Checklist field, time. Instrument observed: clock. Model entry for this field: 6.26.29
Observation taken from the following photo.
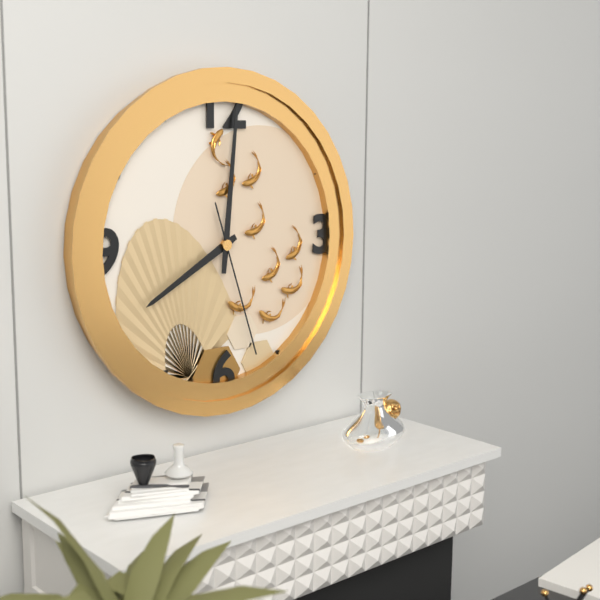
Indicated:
8.01.27
